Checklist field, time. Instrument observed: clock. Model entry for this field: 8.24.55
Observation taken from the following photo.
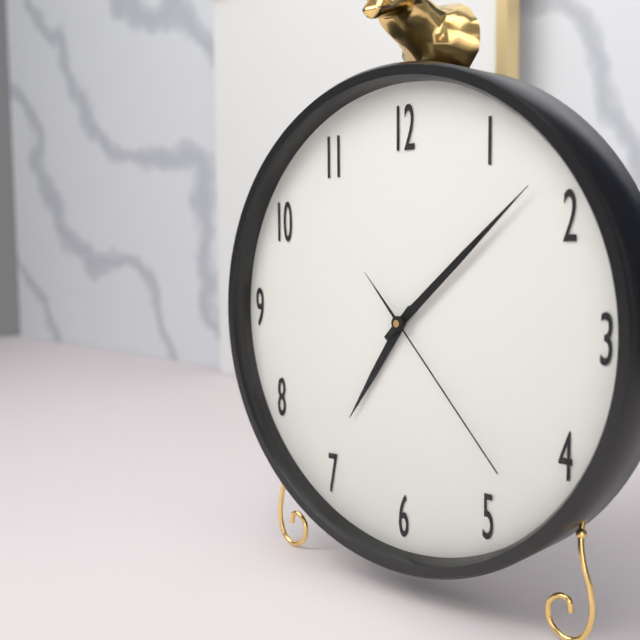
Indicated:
7.08.23
